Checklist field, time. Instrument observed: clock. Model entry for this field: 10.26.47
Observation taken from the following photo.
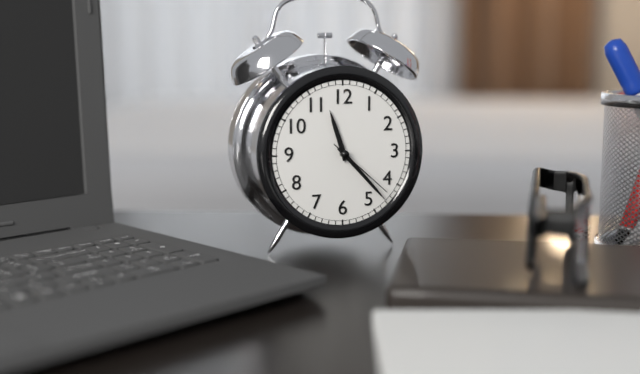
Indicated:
11.23.22
